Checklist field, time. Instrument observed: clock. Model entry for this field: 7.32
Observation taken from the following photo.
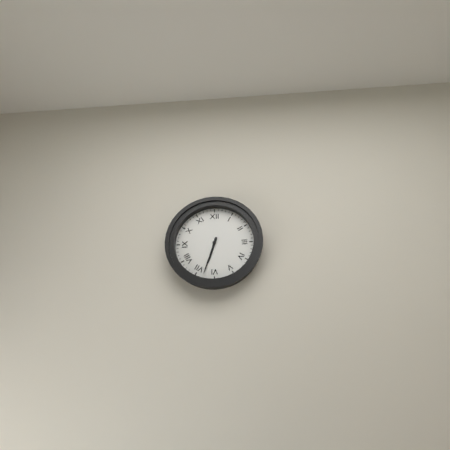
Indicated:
6.33
